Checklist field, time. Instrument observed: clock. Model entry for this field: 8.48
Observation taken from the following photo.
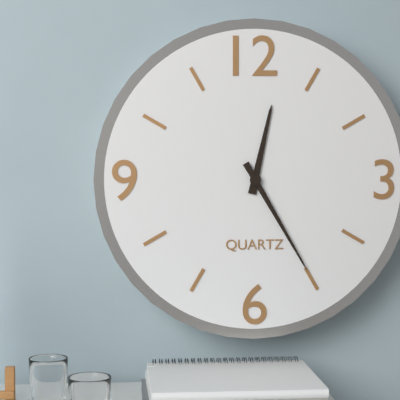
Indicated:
12.25
